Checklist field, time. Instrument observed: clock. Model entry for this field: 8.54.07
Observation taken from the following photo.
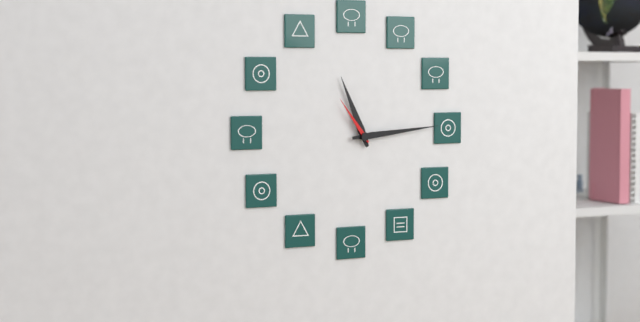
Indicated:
11.14.54
